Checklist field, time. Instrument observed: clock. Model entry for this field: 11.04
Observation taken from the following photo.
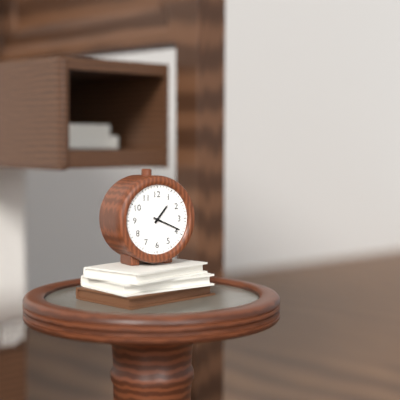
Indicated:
1.19
